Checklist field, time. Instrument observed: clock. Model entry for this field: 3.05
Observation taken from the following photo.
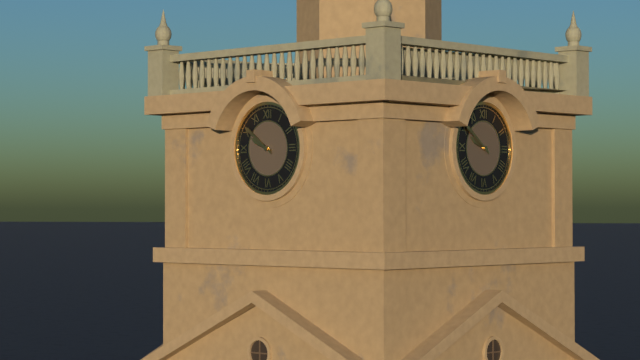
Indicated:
9.51
